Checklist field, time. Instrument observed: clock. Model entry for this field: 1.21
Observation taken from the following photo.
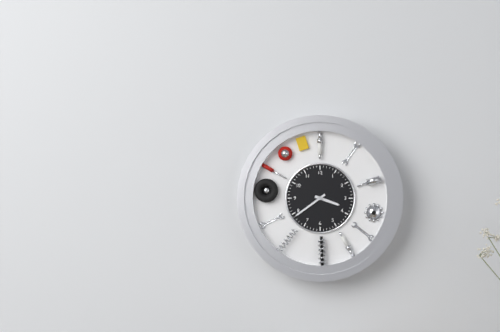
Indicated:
3.39
